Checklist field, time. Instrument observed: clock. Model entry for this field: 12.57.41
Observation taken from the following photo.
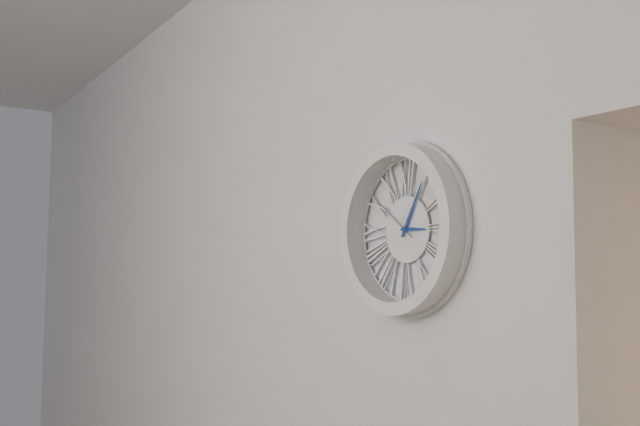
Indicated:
3.05.51
